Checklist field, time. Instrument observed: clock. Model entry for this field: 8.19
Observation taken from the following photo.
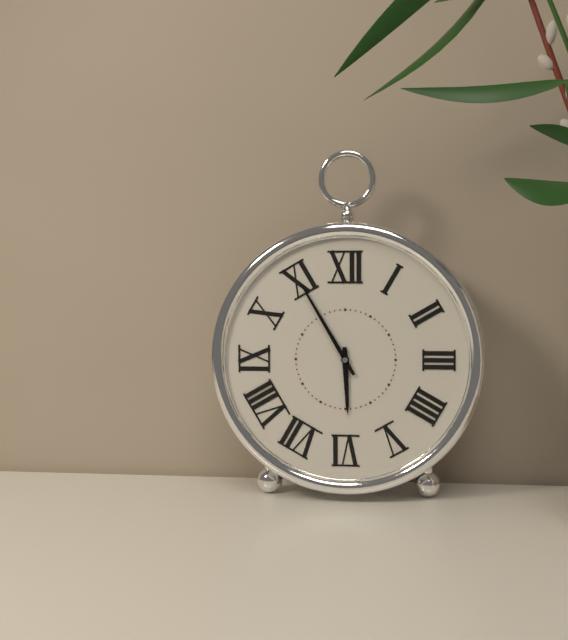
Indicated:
5.55
